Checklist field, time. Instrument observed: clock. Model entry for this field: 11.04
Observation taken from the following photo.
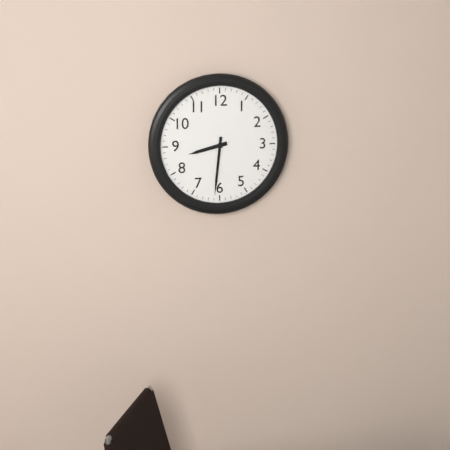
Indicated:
8.31
